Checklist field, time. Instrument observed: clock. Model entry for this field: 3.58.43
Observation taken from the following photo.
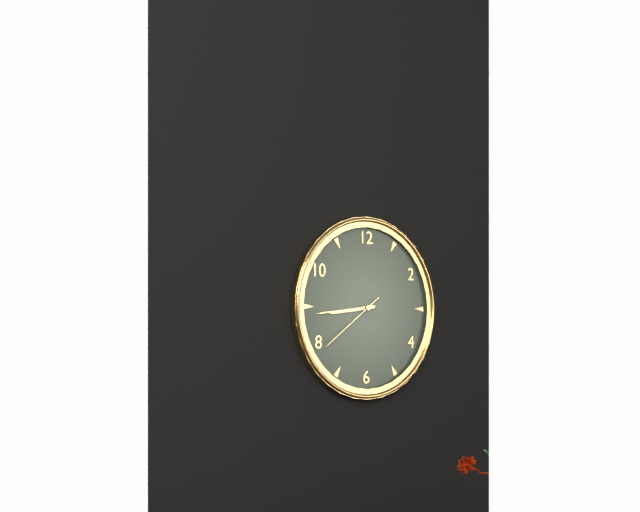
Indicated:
8.44.39
